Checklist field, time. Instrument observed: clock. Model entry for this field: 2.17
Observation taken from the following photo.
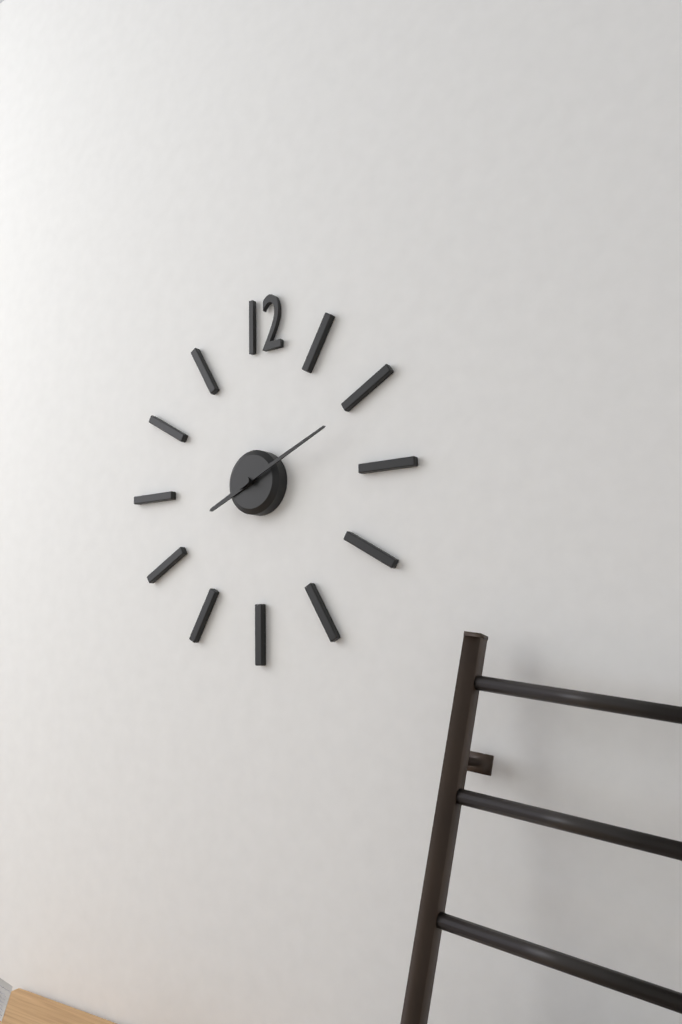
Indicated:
8.11
